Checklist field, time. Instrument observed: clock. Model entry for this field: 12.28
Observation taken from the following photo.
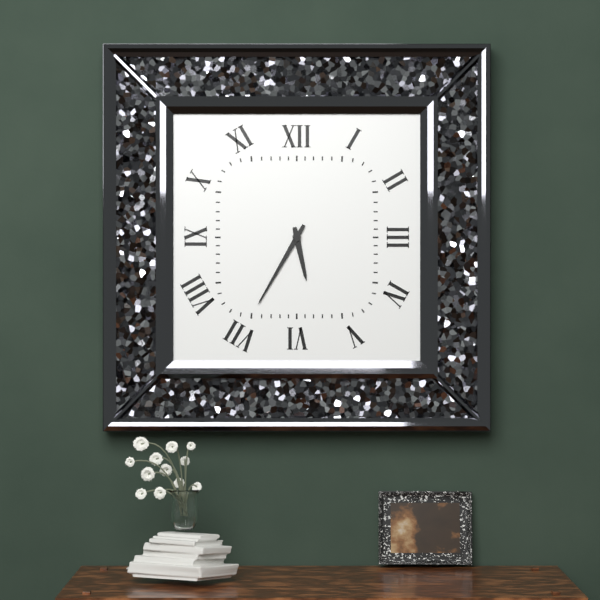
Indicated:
5.35
